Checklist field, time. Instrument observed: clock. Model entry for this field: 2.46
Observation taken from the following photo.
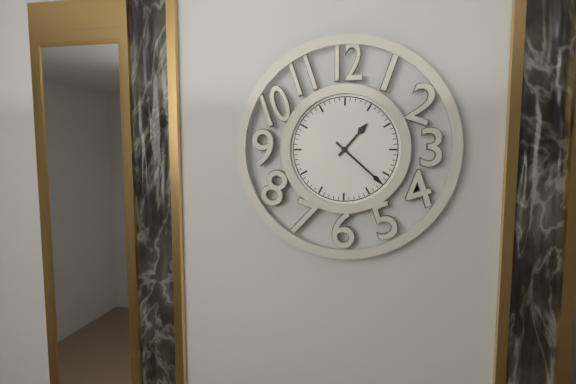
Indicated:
1.22
